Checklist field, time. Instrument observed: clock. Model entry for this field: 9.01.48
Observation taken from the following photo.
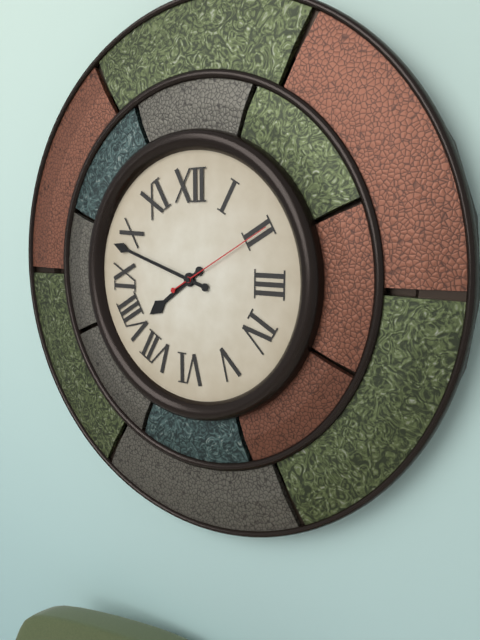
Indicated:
7.48.10
